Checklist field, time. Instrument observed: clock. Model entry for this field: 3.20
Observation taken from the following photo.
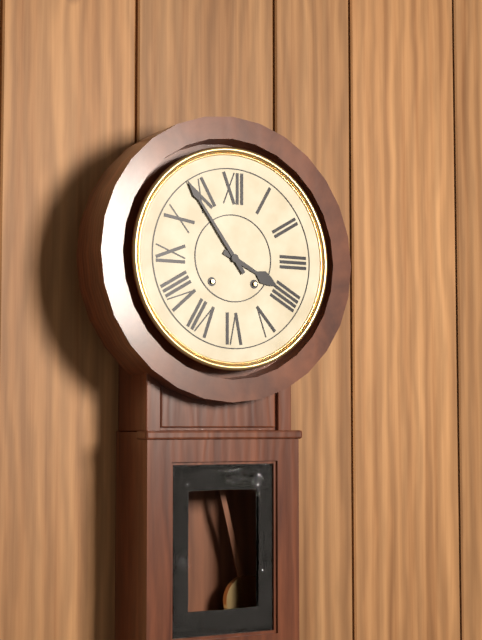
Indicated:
3.54
